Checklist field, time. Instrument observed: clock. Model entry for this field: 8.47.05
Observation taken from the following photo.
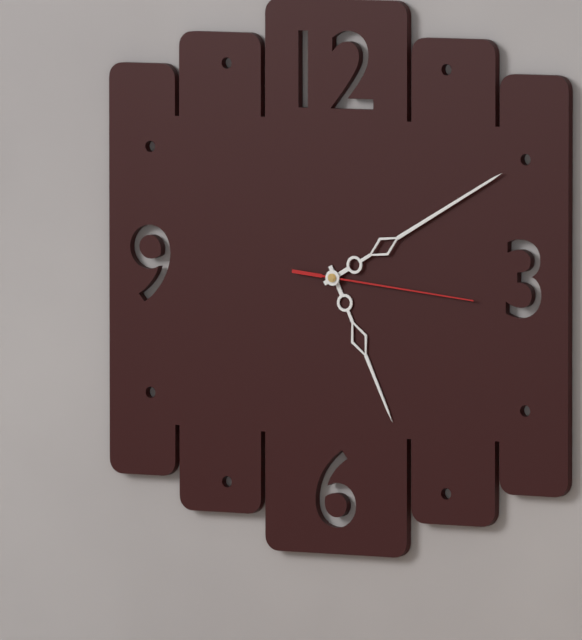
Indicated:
5.10.16
